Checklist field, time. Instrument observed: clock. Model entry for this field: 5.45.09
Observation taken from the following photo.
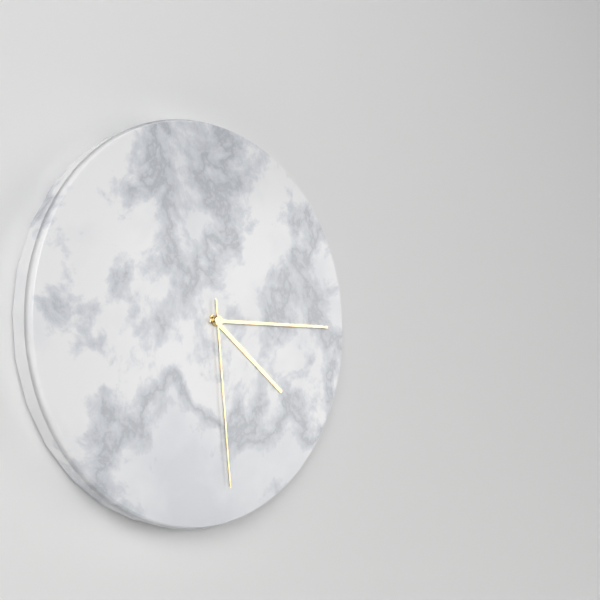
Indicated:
4.15.29
